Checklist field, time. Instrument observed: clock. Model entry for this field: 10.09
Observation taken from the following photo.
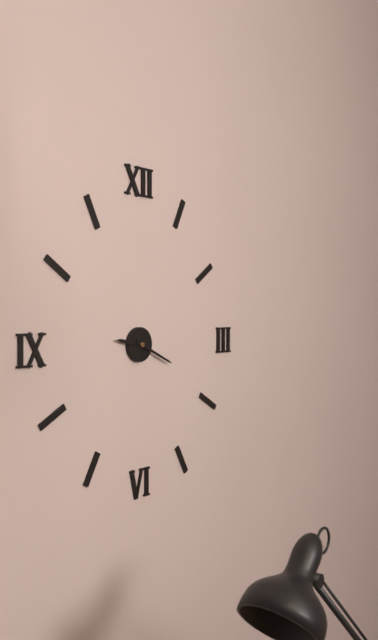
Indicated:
9.19
